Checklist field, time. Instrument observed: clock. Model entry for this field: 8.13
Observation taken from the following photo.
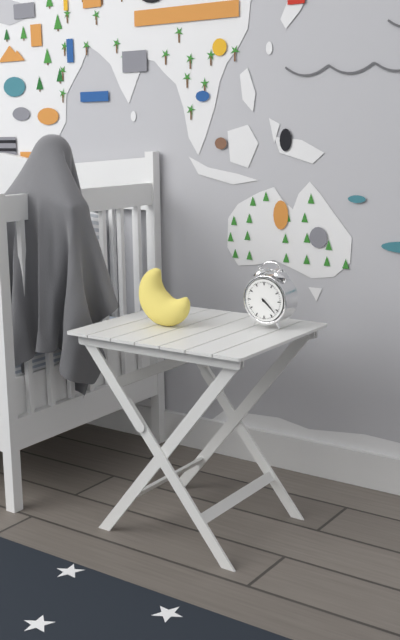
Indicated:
4.22
